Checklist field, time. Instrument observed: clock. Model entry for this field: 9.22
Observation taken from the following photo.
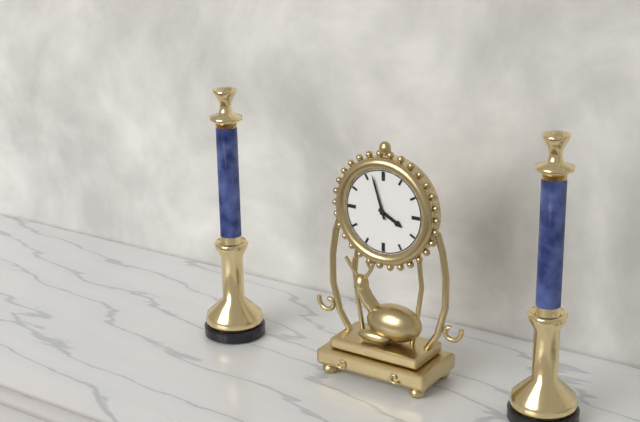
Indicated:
3.57
